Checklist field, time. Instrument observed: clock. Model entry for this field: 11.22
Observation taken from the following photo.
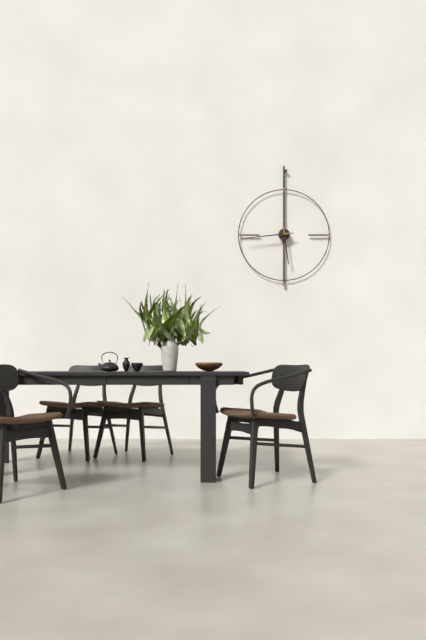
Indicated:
5.44
